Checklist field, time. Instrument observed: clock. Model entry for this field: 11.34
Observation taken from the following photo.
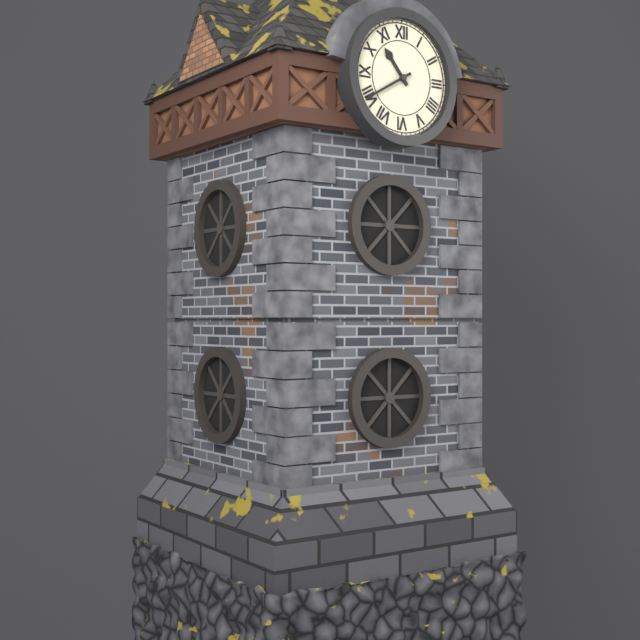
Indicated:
10.40
